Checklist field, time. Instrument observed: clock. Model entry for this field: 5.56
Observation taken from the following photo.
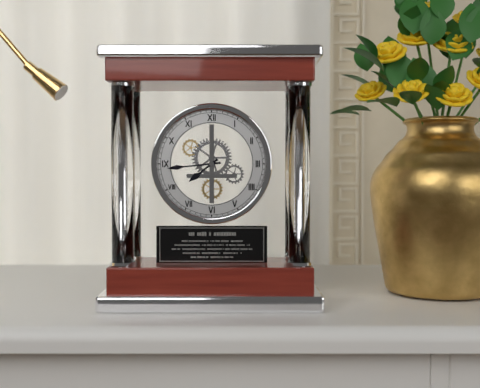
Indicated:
7.44
